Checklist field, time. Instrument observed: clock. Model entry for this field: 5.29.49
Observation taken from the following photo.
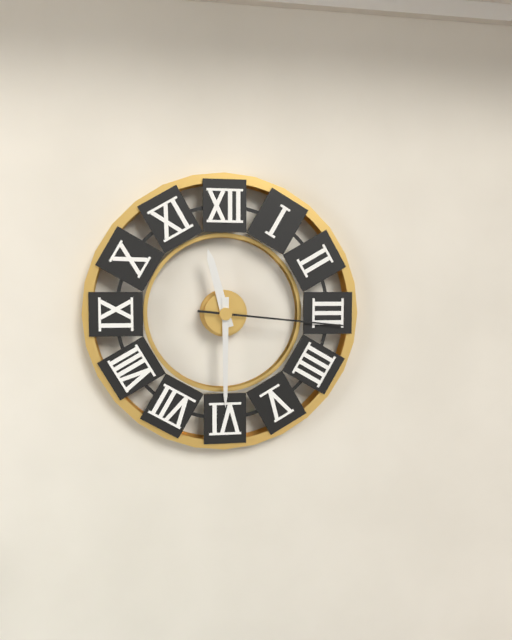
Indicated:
11.30.16
